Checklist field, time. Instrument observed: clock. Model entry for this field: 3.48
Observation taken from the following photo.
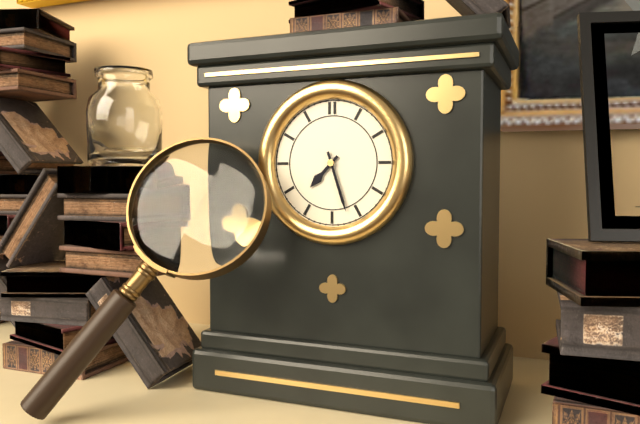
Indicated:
7.27
